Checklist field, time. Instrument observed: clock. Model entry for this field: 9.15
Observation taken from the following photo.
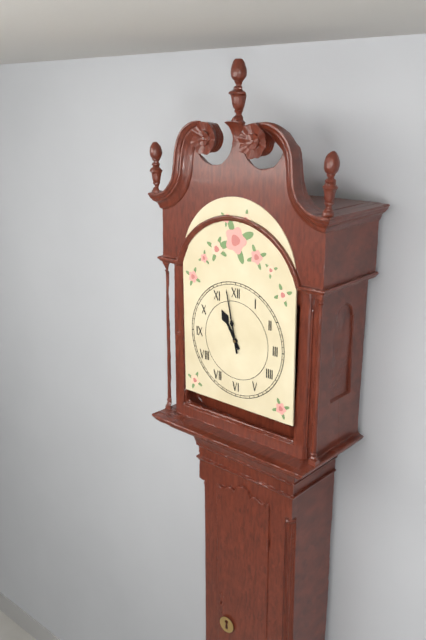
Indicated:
10.58
